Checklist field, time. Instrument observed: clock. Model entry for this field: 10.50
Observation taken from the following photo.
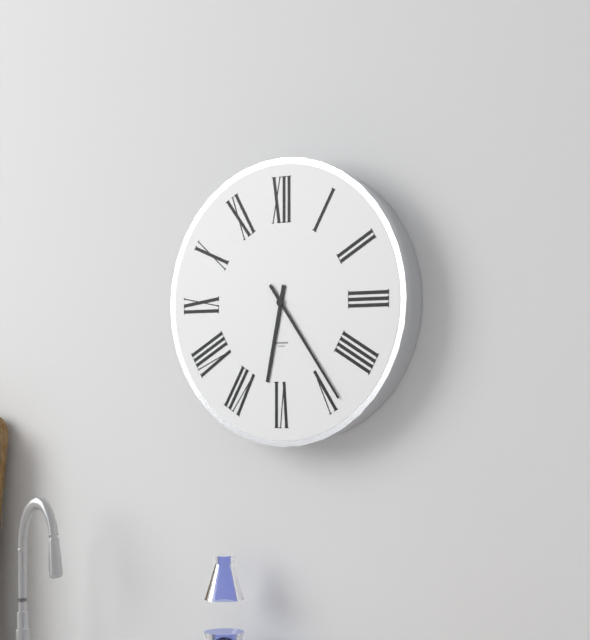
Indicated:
6.24
